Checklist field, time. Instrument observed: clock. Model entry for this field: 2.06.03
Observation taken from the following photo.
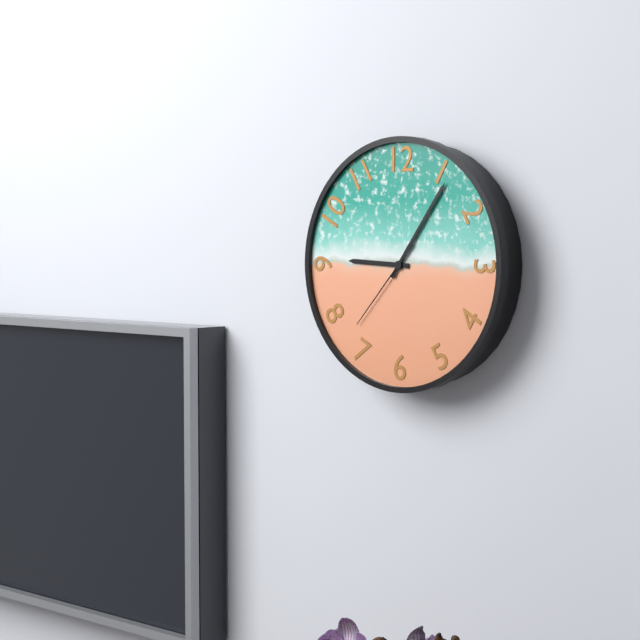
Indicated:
9.06.37
